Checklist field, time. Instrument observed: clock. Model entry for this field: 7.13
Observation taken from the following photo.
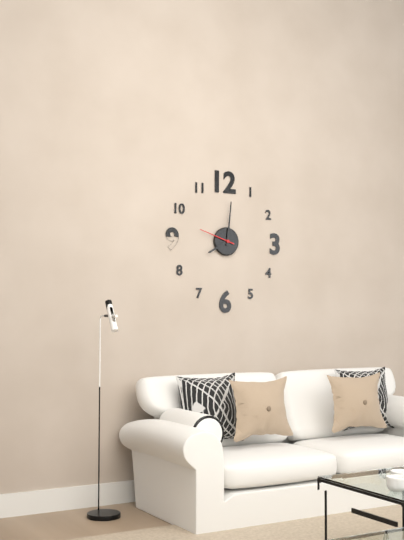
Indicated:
8.01
